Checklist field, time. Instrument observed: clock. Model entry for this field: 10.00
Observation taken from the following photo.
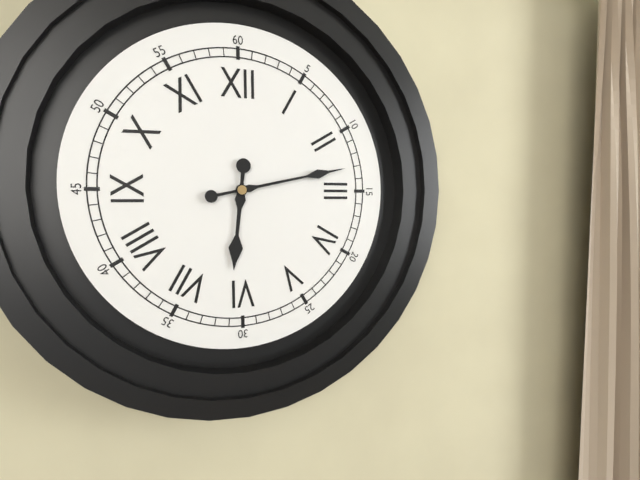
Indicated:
6.13
